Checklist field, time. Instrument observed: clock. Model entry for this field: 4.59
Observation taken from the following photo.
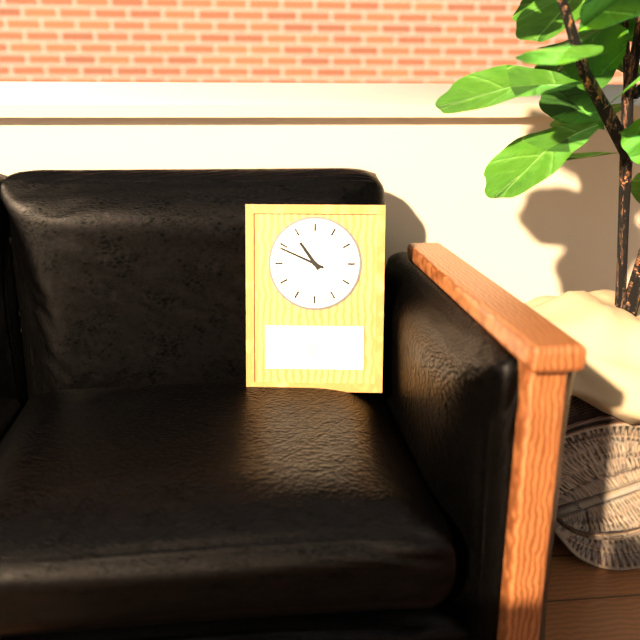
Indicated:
10.49
